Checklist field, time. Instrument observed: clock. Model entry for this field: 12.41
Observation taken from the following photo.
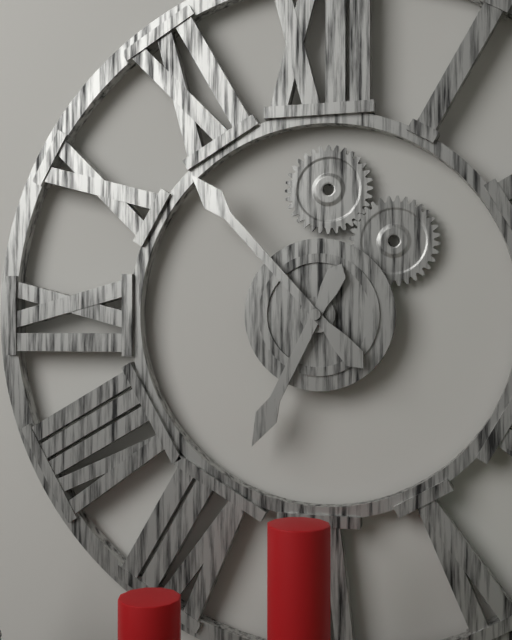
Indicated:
6.53
